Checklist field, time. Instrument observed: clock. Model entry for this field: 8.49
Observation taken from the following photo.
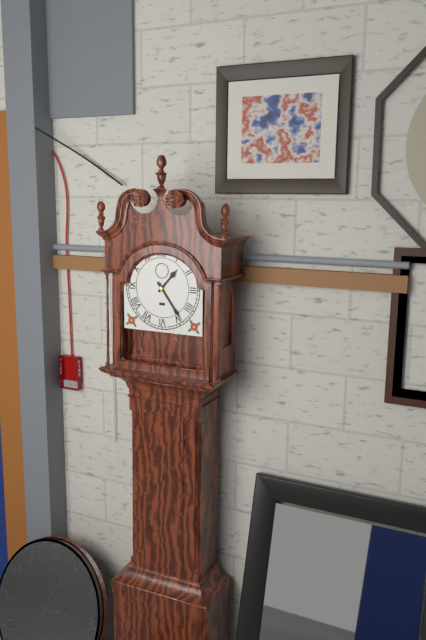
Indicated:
1.24
